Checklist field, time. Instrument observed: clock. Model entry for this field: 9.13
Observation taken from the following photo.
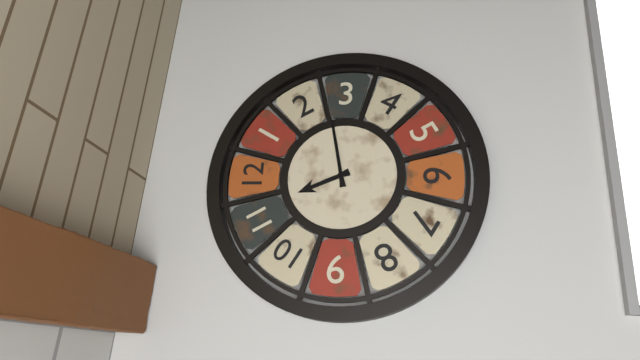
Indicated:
11.13
